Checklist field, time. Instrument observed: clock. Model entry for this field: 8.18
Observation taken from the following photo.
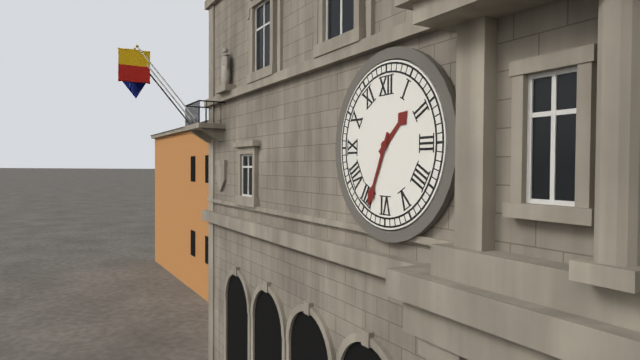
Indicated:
1.34
